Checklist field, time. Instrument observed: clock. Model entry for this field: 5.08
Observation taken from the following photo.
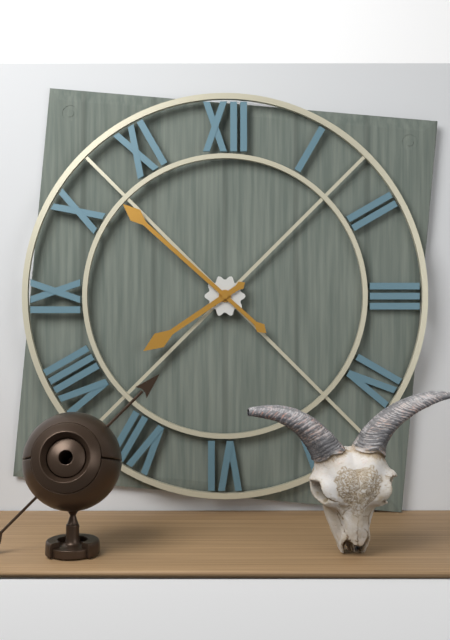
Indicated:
7.52
